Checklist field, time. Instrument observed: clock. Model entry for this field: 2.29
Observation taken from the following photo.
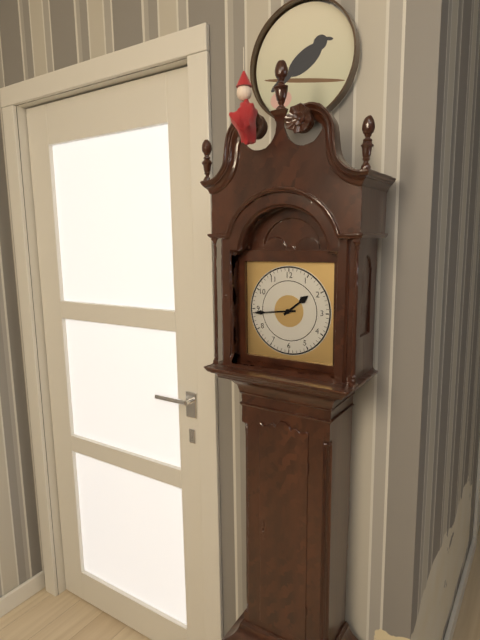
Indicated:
1.44
